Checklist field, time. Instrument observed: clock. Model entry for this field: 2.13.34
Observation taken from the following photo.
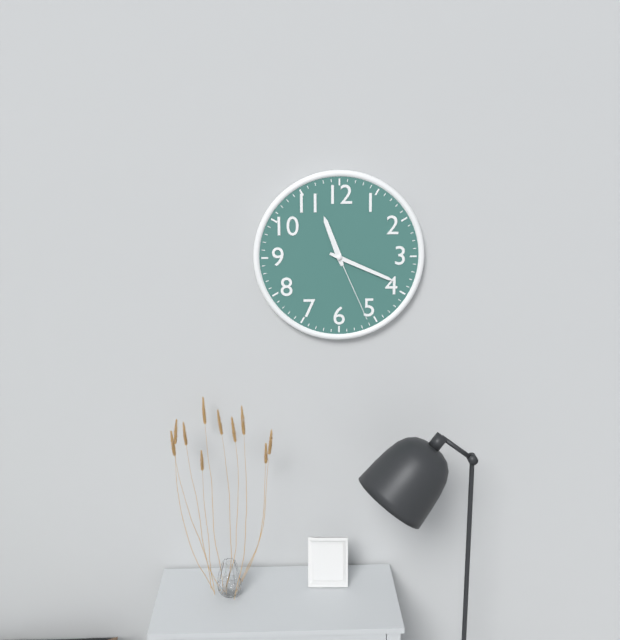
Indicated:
11.19.26
